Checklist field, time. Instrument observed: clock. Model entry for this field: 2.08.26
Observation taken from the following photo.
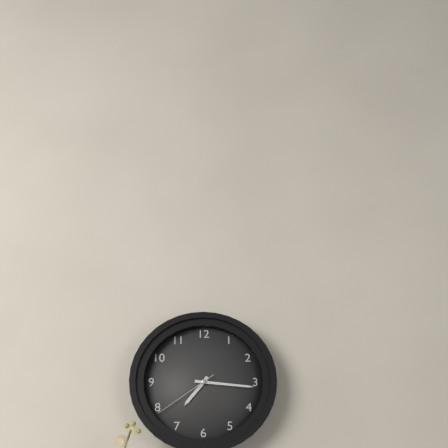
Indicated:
7.16.39
